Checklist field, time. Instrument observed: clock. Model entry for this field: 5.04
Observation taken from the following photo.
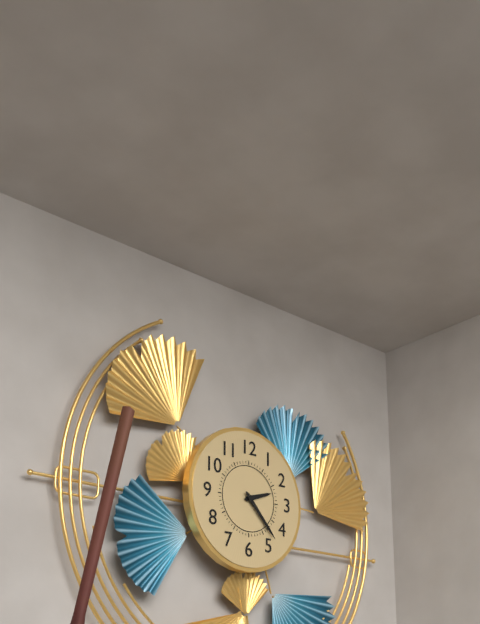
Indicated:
2.23
